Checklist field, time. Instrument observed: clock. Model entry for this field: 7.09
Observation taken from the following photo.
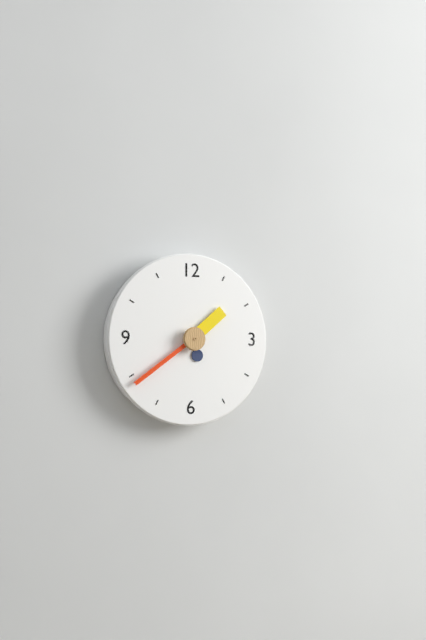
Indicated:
1.39
